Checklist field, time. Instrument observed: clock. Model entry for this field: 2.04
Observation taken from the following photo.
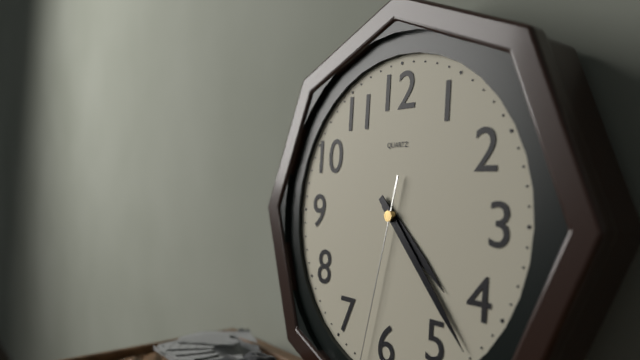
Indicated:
4.23
